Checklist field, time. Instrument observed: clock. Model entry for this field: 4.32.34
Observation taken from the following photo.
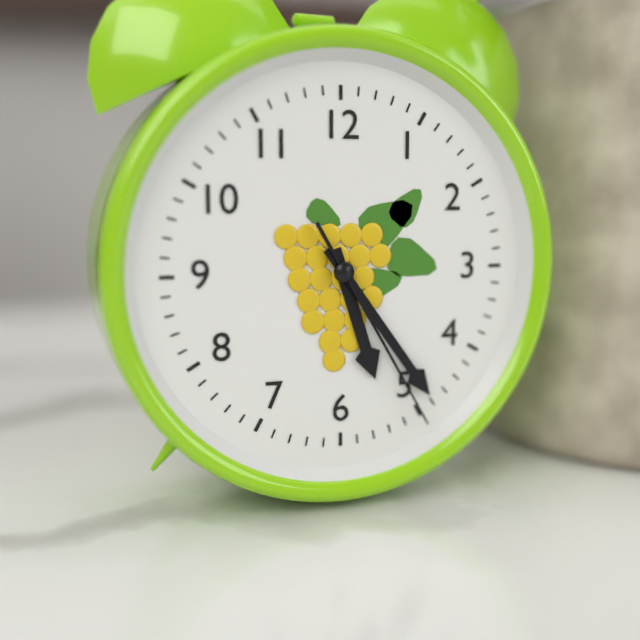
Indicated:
5.24.25
